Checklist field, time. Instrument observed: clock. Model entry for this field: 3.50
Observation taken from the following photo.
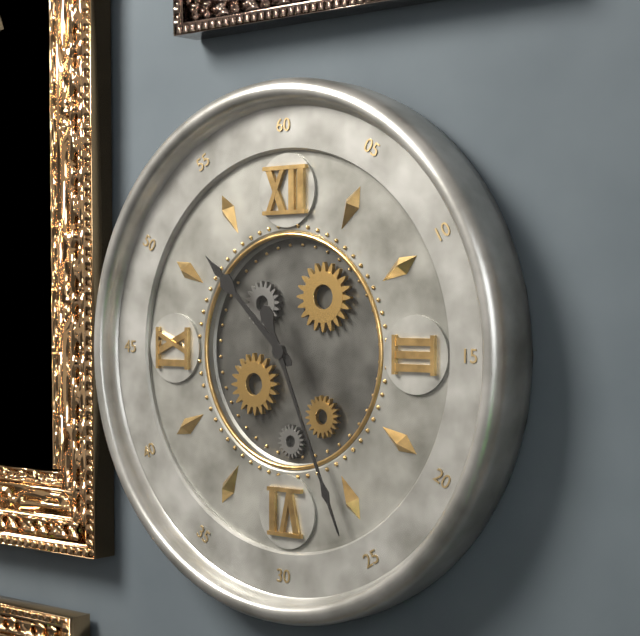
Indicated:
10.26
